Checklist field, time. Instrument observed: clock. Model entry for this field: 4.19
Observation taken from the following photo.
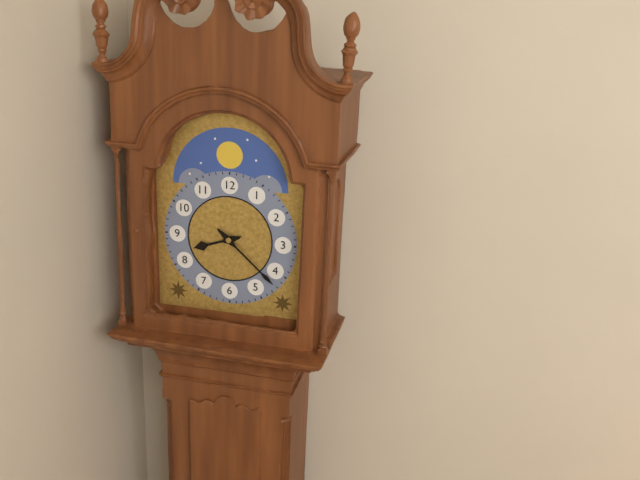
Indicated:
8.22
